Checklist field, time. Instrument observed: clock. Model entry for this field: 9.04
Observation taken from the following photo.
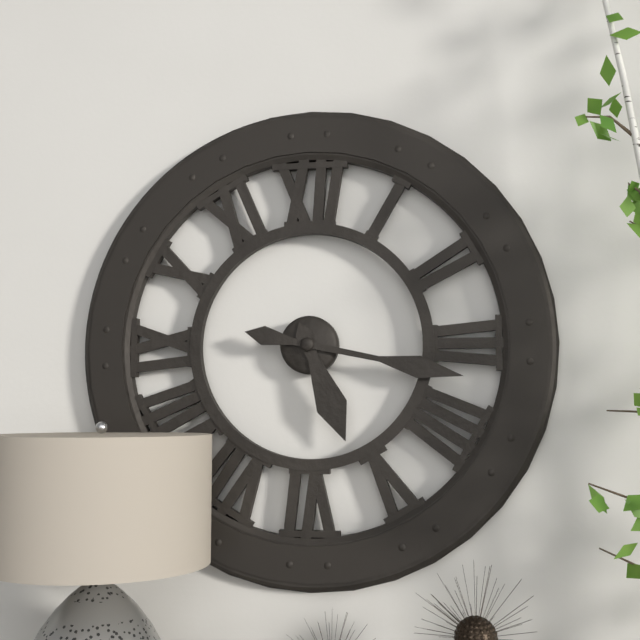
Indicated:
5.17
